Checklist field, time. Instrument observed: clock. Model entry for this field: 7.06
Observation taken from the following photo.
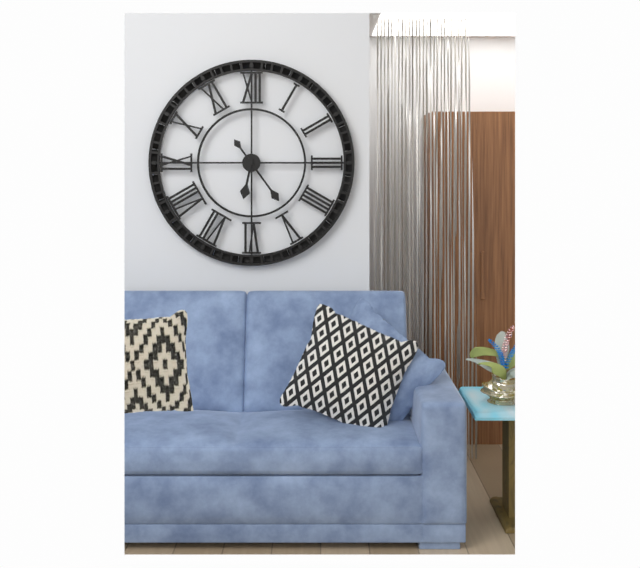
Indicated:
6.24
